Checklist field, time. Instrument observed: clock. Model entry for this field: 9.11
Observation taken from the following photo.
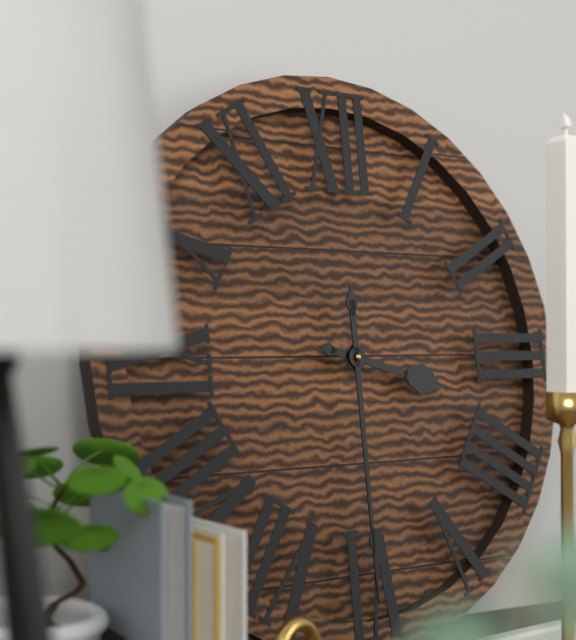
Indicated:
3.30
